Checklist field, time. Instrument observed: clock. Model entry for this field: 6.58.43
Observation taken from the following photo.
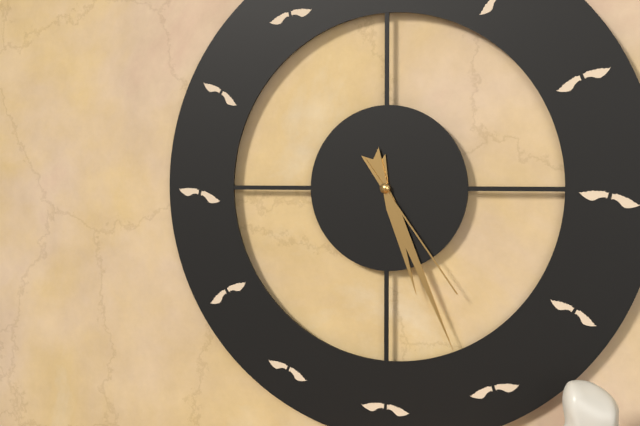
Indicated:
5.26.24
